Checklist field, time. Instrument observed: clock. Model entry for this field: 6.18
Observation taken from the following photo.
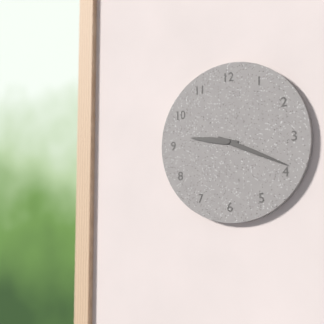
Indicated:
9.19
